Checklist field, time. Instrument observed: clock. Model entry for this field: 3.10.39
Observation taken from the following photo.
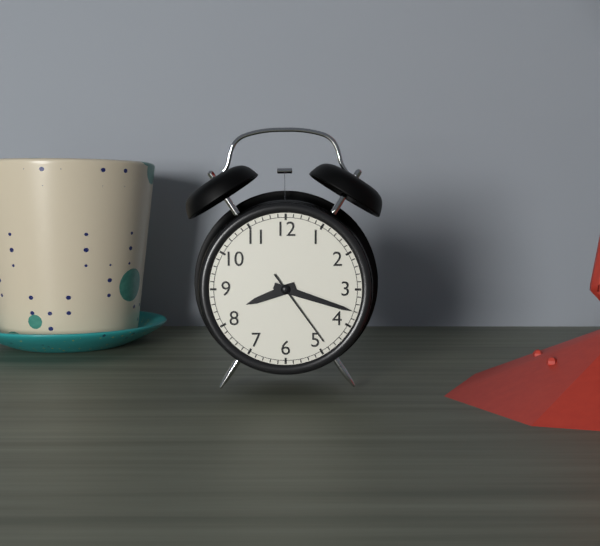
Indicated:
8.18.24
